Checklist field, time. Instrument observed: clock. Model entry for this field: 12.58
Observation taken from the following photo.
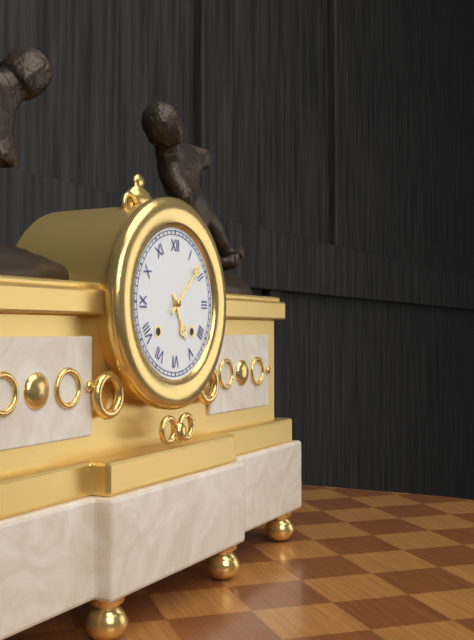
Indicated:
5.08
